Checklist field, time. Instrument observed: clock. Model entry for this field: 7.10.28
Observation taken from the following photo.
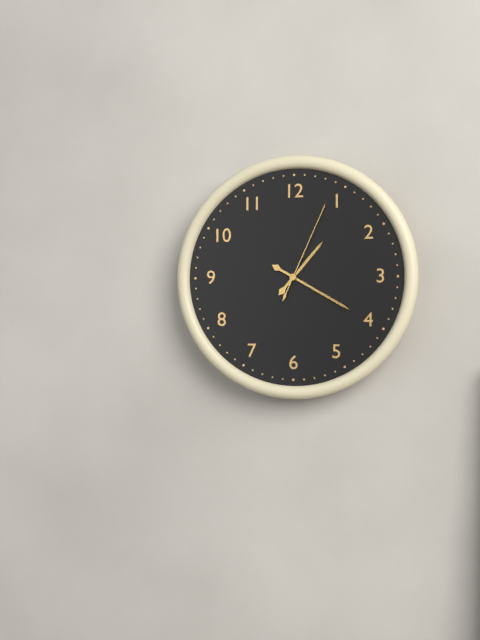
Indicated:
1.20.04
